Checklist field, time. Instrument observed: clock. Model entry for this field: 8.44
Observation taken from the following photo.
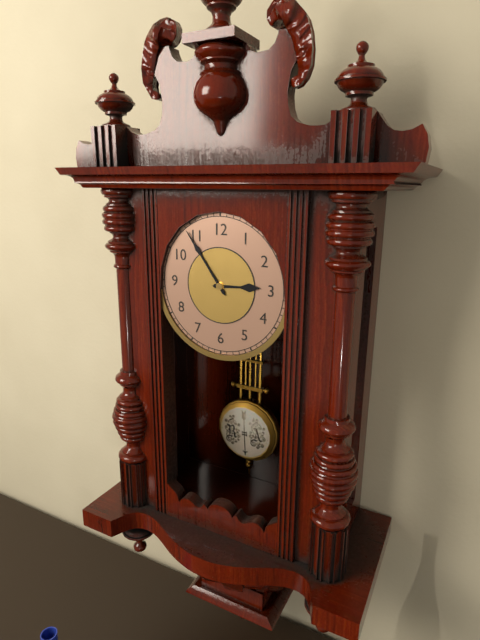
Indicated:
2.54
